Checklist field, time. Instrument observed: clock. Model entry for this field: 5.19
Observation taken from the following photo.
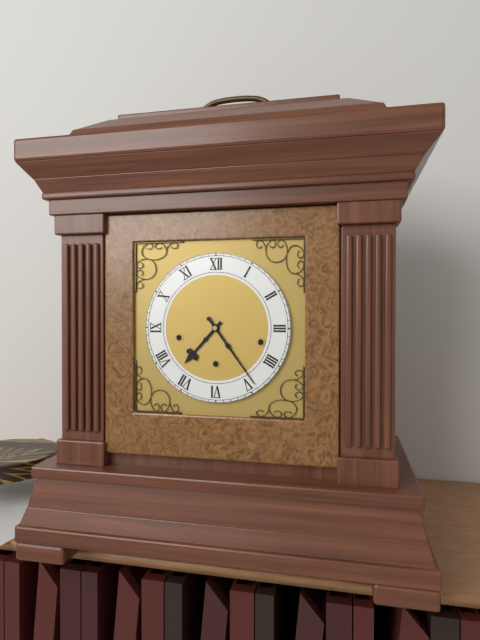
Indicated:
7.24
